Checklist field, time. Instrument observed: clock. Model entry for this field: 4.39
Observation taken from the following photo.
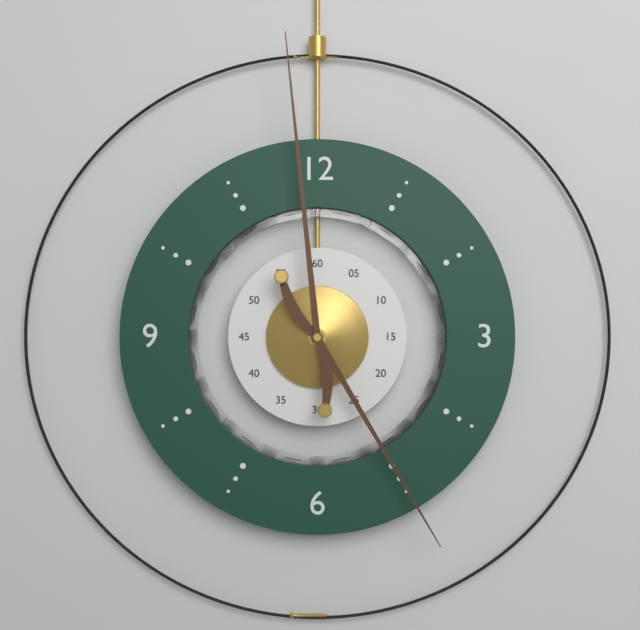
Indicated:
4.59
